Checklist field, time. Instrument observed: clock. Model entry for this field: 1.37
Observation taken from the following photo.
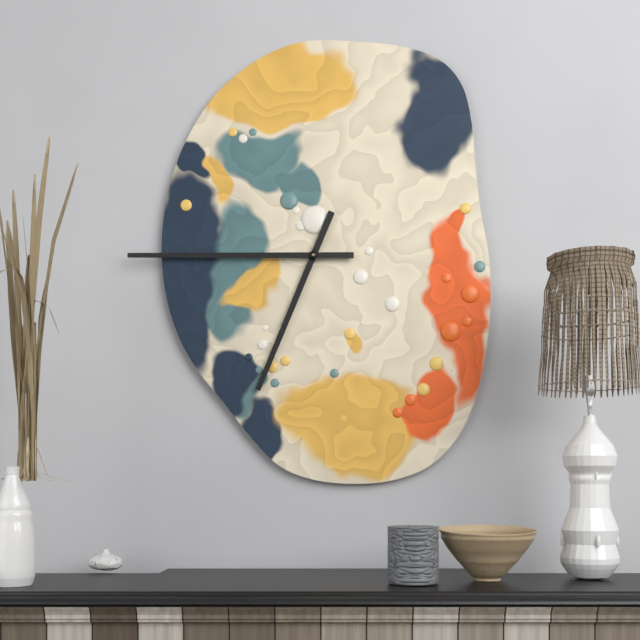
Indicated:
6.45
